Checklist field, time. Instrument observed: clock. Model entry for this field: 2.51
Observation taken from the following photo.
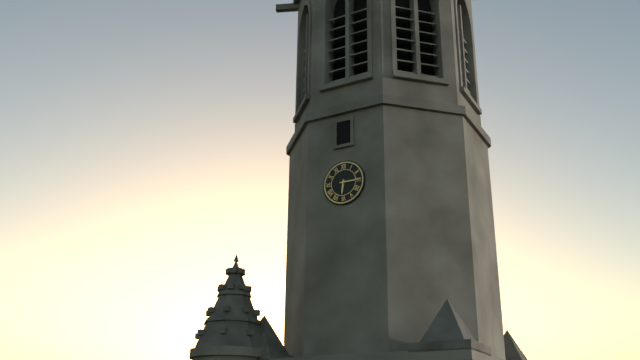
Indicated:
6.15
